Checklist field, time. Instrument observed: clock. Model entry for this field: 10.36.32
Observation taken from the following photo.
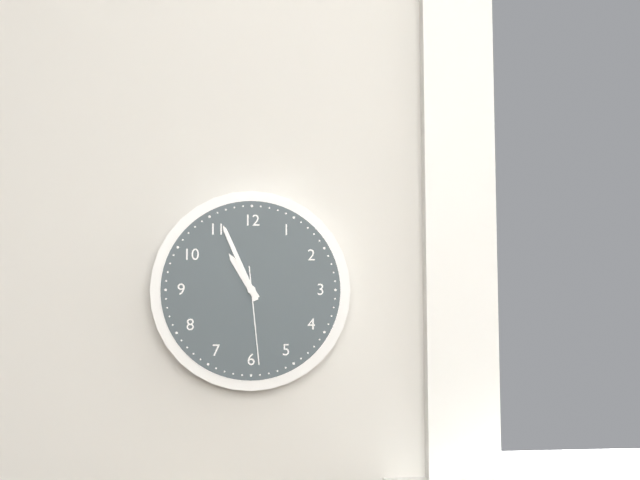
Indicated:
10.56.29
